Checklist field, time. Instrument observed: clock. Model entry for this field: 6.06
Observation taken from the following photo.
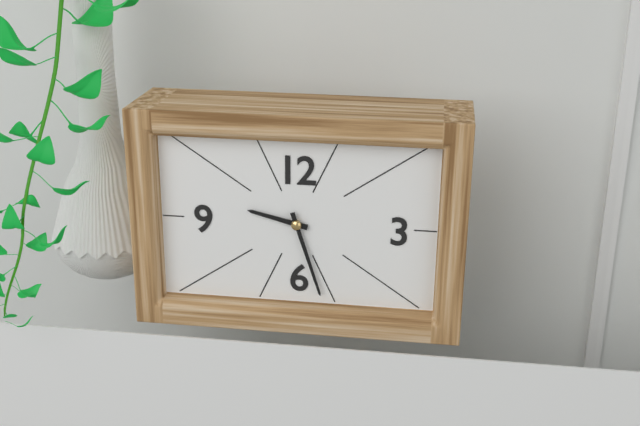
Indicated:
9.27
